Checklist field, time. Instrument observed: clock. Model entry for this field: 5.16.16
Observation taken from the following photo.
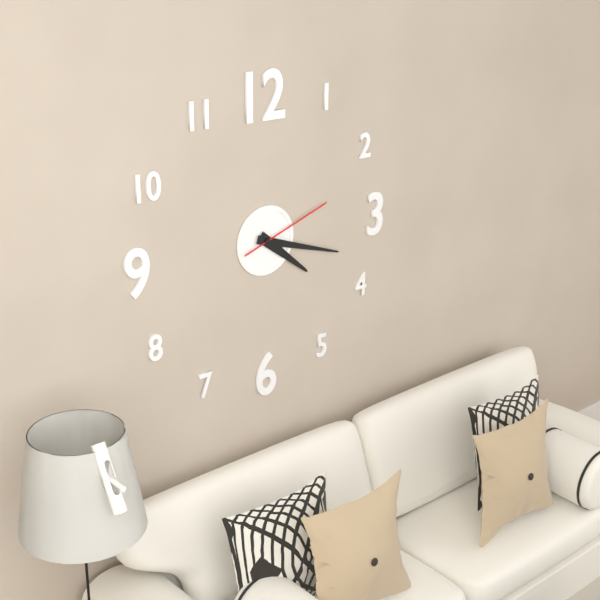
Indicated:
4.18.12
